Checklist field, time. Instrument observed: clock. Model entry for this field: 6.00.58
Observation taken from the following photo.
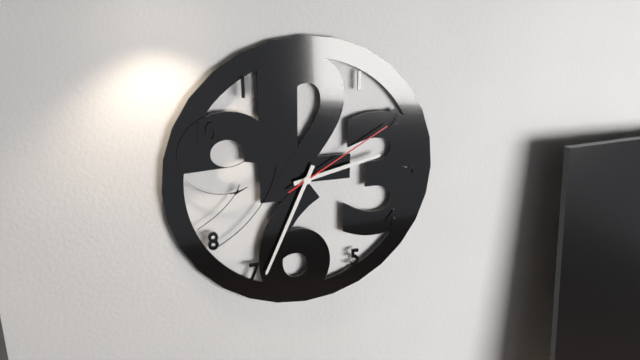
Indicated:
2.34.10
